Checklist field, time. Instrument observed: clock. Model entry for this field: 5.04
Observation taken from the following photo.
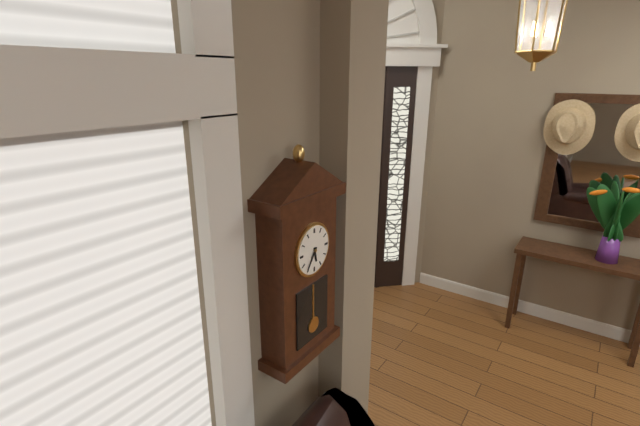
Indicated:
5.36
